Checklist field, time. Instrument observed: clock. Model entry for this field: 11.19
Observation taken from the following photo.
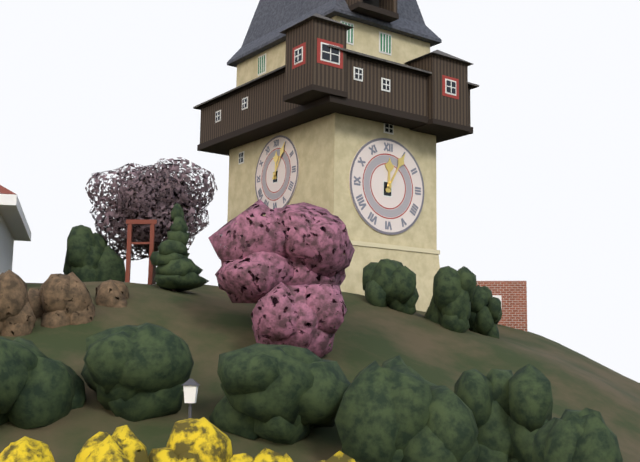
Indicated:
12.05
